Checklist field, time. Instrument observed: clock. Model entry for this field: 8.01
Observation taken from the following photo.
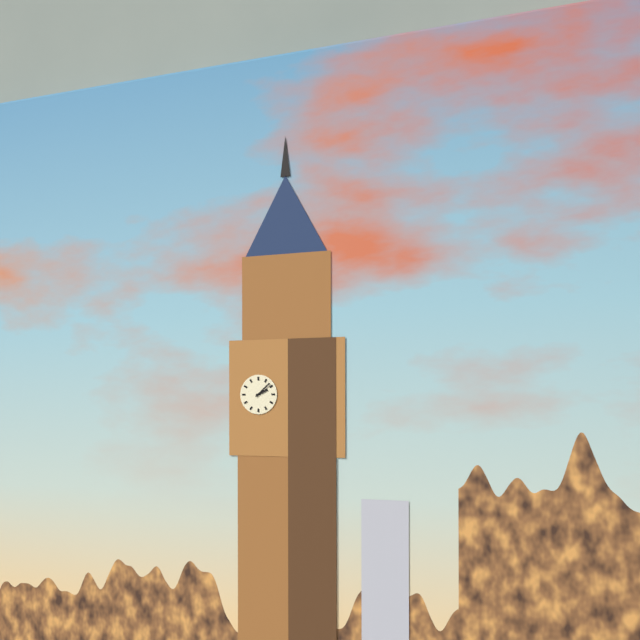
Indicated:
2.08
